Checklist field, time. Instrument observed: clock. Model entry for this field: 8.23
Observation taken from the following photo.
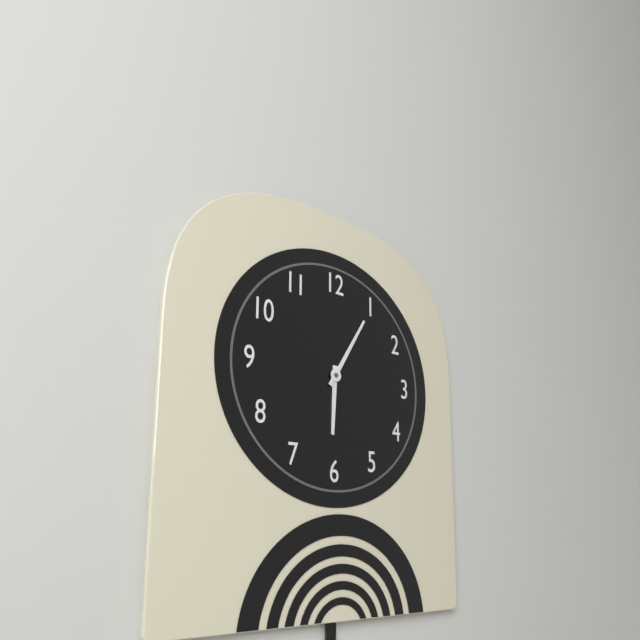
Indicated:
6.05
